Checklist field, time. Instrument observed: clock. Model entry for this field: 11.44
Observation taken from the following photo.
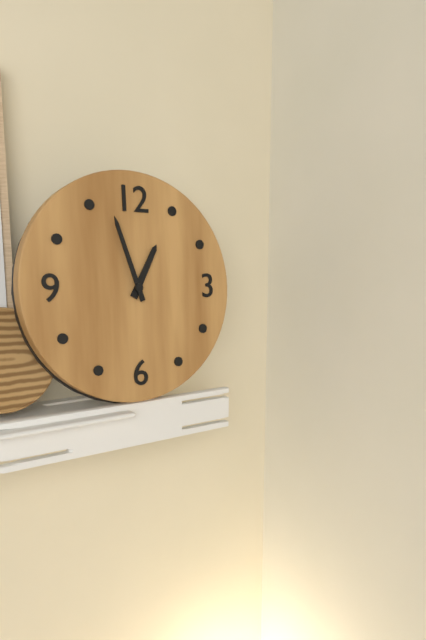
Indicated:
12.57
